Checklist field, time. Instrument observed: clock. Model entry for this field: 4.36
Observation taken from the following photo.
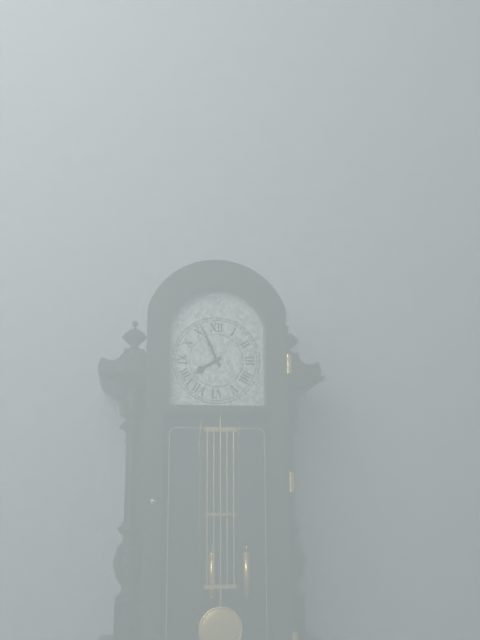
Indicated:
7.56
